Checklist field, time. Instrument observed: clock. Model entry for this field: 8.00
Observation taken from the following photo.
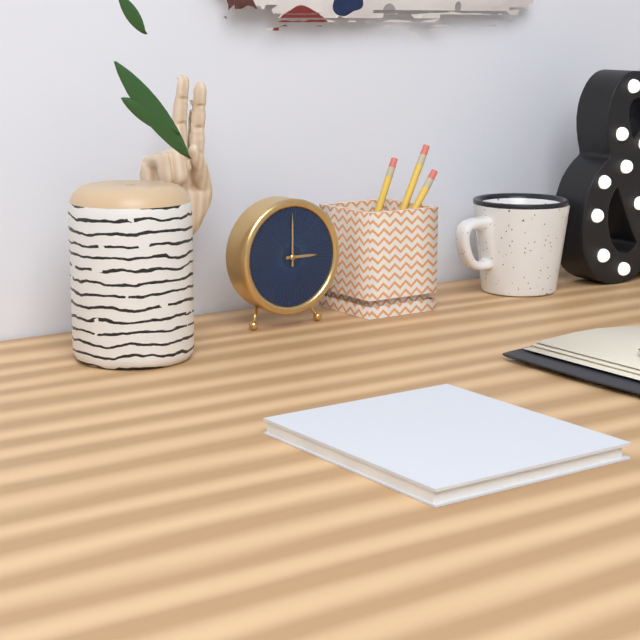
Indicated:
3.00
